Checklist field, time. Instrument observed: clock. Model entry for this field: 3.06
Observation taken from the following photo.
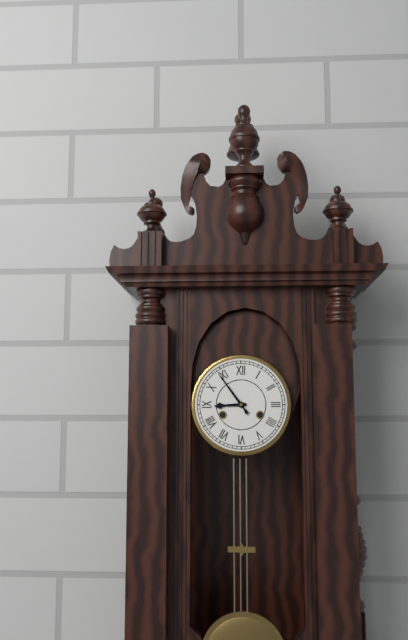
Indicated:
8.54
